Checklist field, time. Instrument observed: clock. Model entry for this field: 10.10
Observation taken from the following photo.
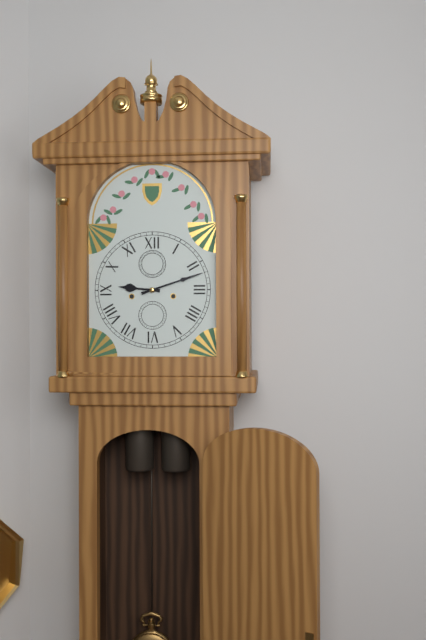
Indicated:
9.12
